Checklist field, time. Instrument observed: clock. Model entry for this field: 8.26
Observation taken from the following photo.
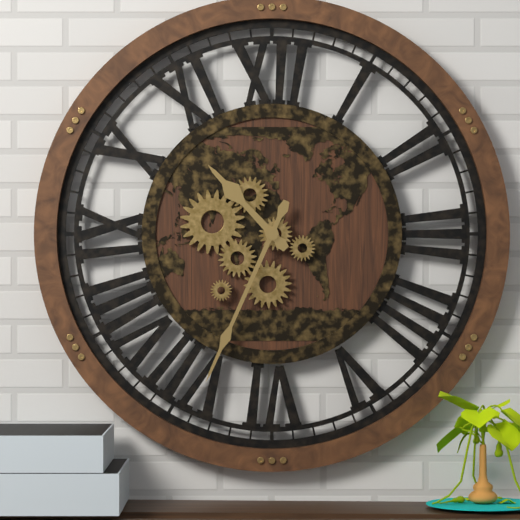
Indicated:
10.34
